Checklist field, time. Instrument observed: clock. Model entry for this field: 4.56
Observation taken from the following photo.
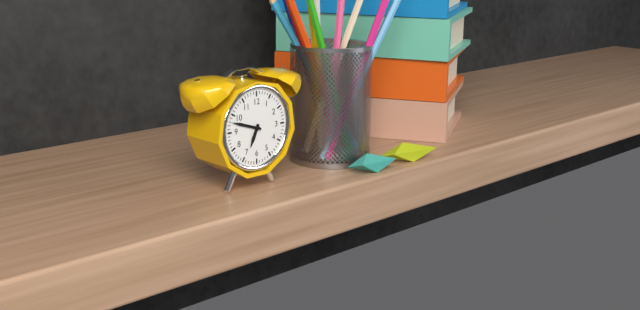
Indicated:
6.48
